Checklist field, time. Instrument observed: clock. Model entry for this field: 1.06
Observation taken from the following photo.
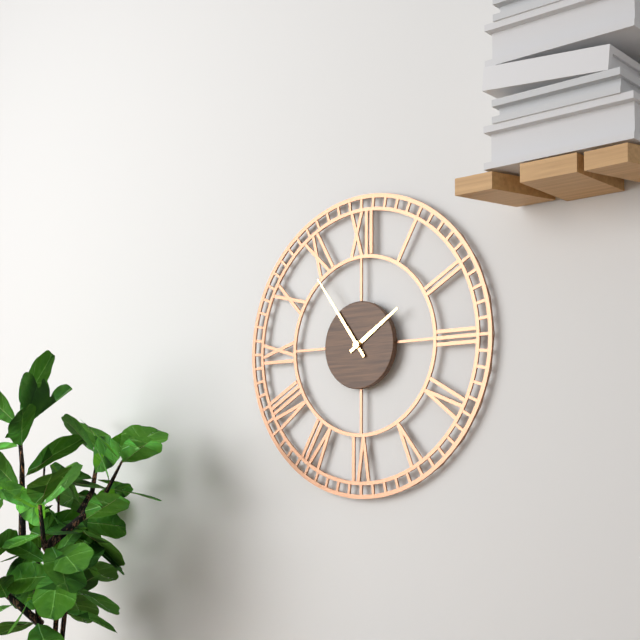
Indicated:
1.54
